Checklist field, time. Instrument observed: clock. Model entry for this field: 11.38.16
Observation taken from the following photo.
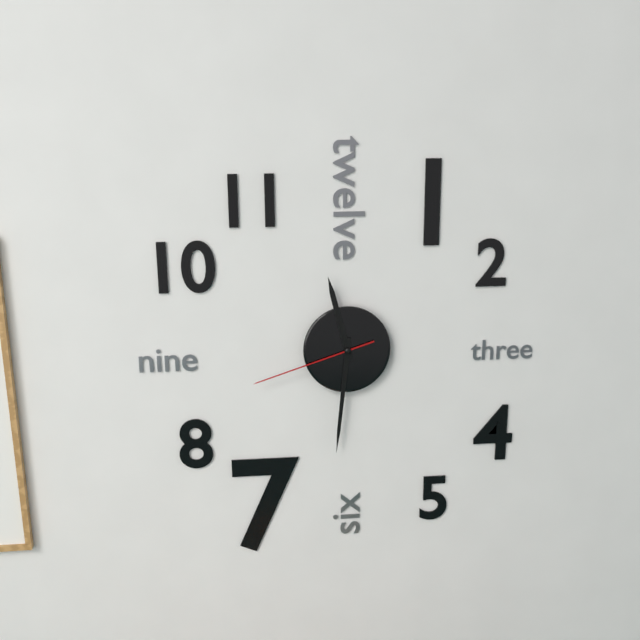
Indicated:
11.31.42
